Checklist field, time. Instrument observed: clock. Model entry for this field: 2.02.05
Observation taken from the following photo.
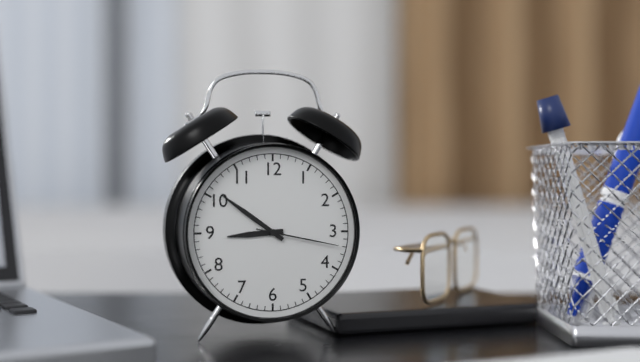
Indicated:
8.51.17
